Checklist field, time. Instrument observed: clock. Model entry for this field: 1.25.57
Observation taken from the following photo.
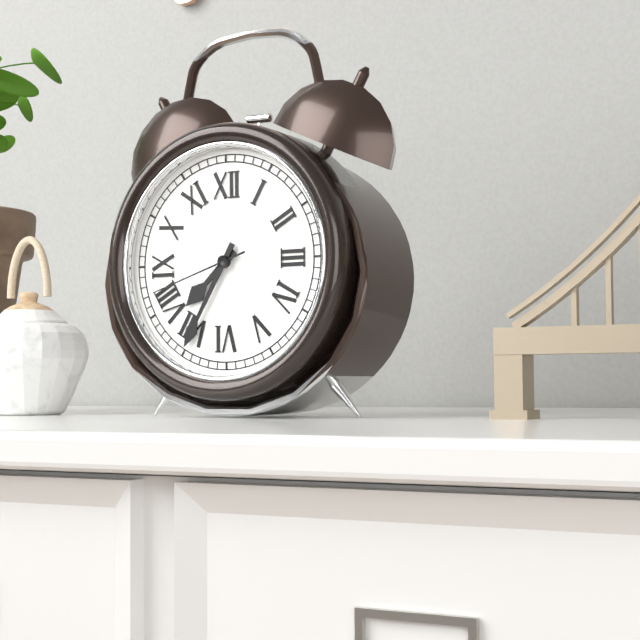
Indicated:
7.35.42
